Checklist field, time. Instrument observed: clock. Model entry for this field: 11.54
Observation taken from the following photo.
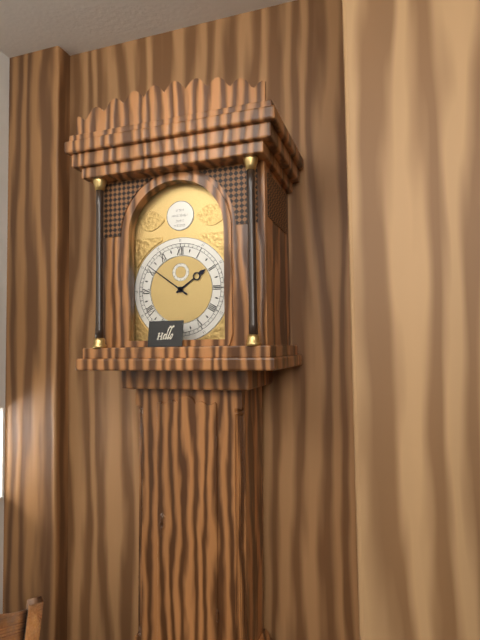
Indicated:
1.51
